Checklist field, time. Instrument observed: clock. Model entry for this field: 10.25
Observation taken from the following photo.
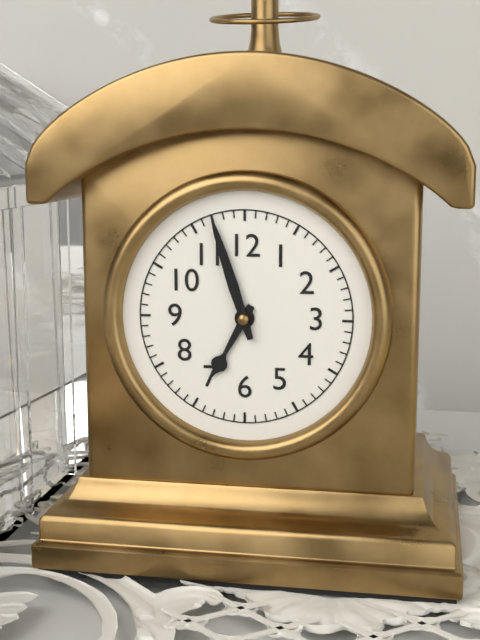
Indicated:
6.57
